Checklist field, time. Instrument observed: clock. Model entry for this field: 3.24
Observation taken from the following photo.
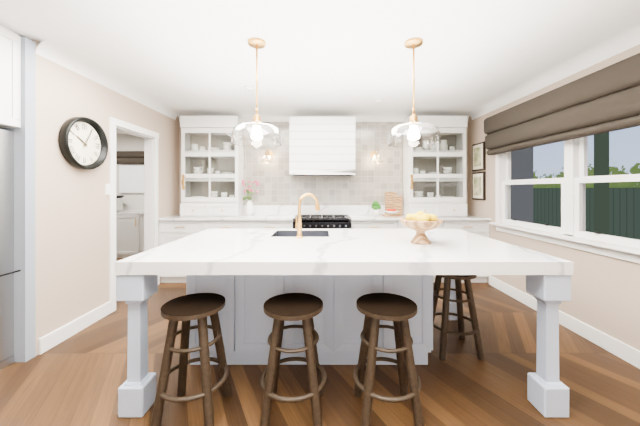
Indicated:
10.05
